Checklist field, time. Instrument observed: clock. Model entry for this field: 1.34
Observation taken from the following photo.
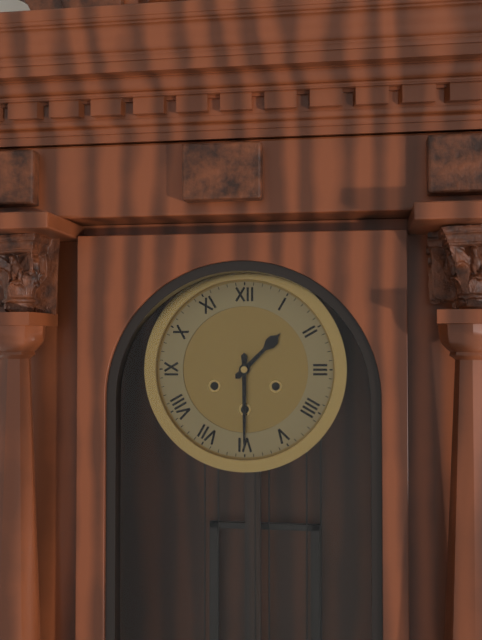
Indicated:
1.30
